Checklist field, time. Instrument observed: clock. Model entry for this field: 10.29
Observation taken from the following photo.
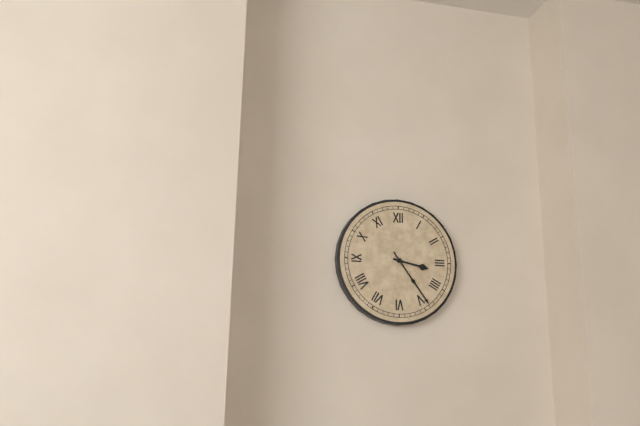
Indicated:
3.24
